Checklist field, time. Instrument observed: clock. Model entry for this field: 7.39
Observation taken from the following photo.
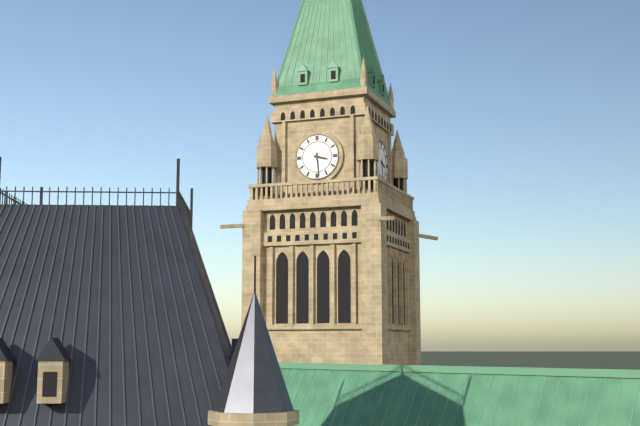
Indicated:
3.29
